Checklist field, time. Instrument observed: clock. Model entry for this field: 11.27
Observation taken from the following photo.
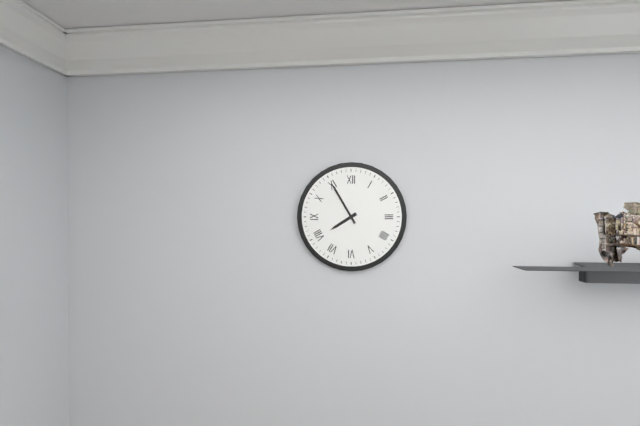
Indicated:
7.55
